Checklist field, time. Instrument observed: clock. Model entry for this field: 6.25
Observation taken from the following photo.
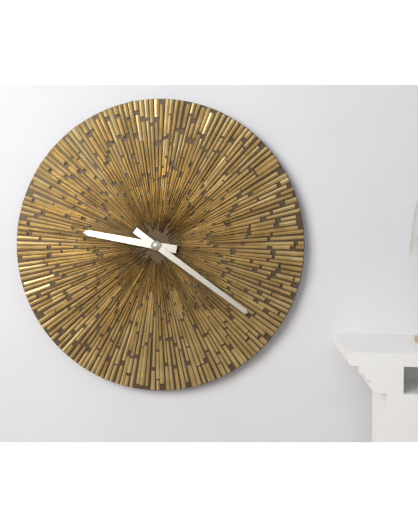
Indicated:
9.21
